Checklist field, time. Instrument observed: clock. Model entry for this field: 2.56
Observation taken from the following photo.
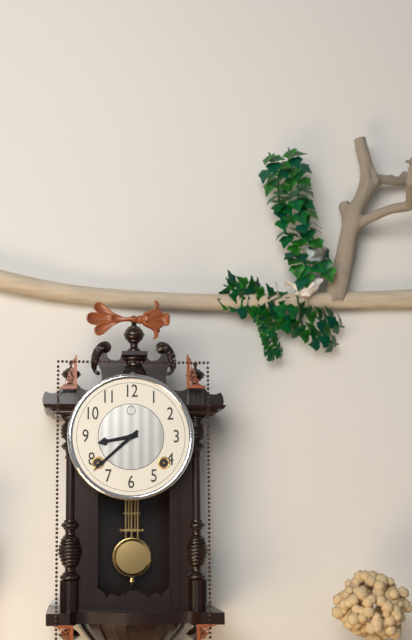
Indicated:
8.38
